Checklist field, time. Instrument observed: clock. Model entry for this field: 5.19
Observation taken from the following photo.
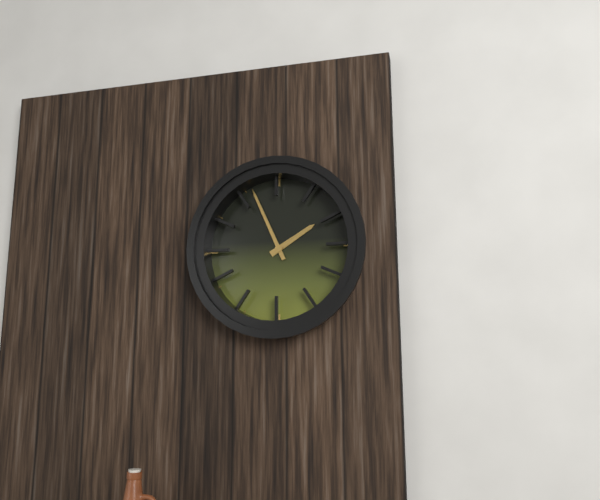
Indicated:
1.56
